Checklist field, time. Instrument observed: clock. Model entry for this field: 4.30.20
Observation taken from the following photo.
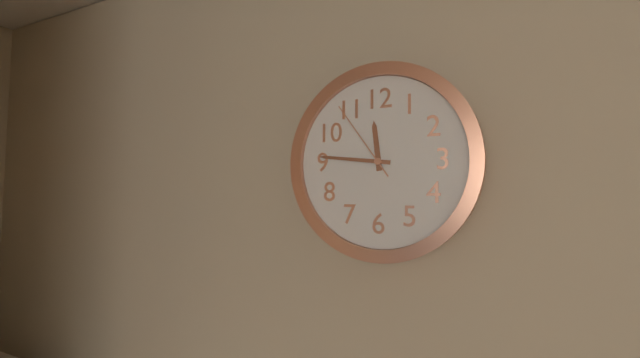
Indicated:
11.46.54
